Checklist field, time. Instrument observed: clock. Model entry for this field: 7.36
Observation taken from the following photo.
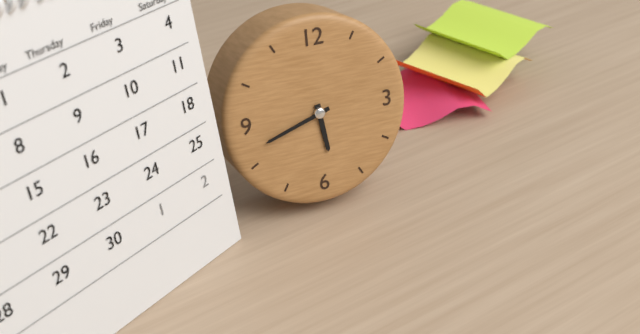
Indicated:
5.42
